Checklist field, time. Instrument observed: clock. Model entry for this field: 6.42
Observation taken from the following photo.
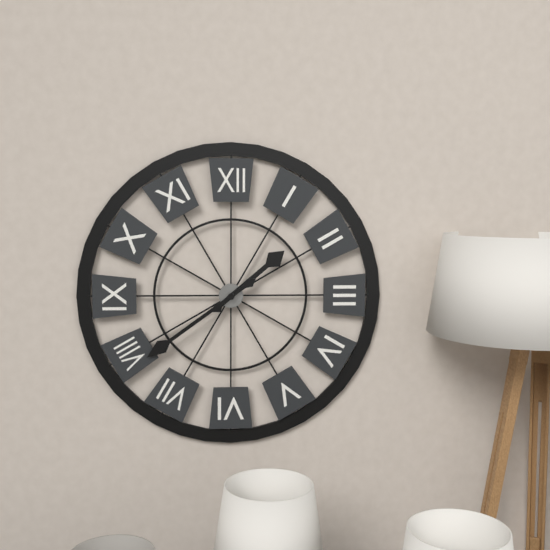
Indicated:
1.39
